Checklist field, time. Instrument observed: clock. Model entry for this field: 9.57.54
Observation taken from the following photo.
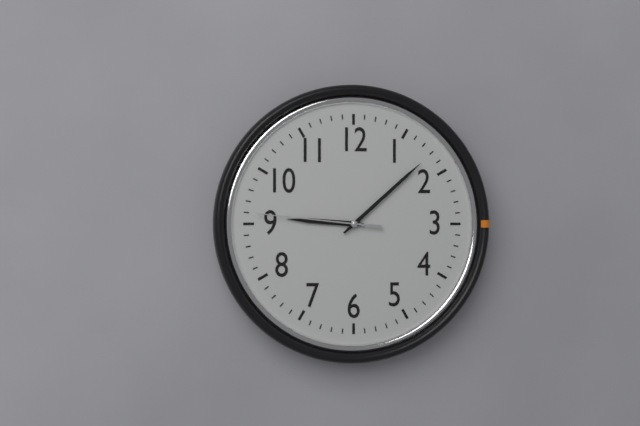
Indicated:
9.08.46
